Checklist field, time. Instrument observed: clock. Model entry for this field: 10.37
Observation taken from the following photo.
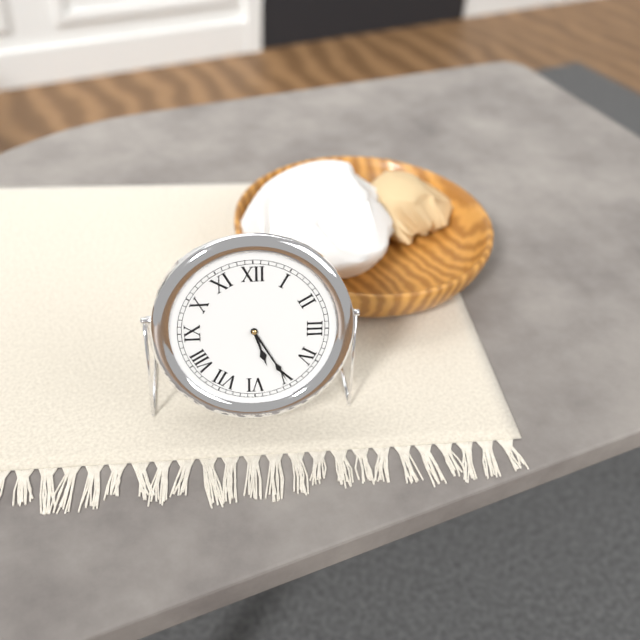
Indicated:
5.25
